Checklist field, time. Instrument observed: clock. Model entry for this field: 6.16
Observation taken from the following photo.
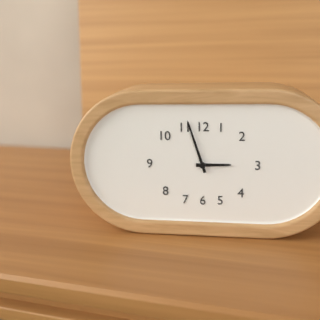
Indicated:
2.57
